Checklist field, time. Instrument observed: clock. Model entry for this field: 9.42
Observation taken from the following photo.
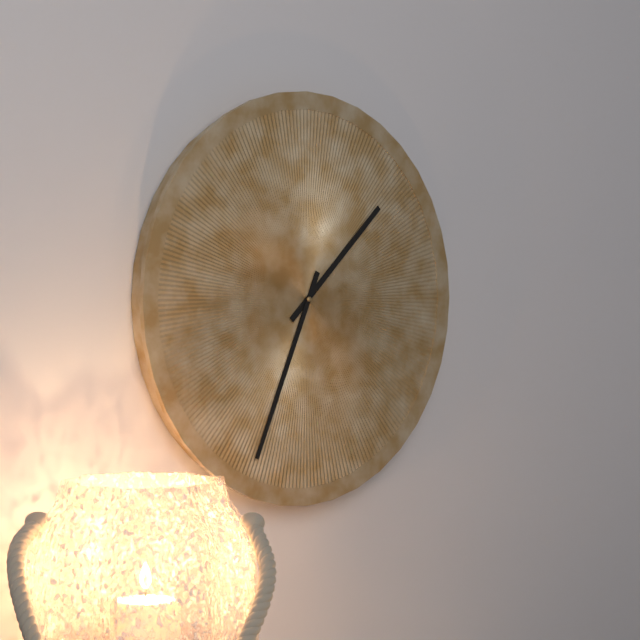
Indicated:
1.34
